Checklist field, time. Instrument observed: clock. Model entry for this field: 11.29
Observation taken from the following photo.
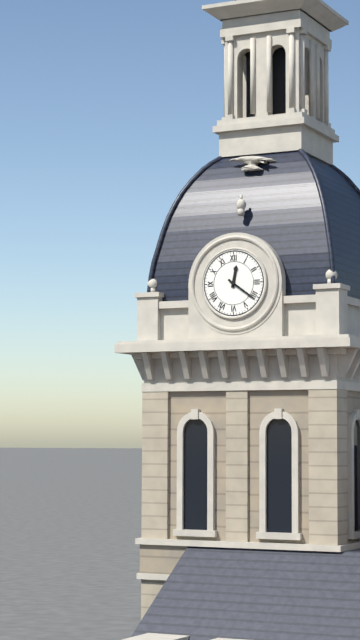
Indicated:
12.21
